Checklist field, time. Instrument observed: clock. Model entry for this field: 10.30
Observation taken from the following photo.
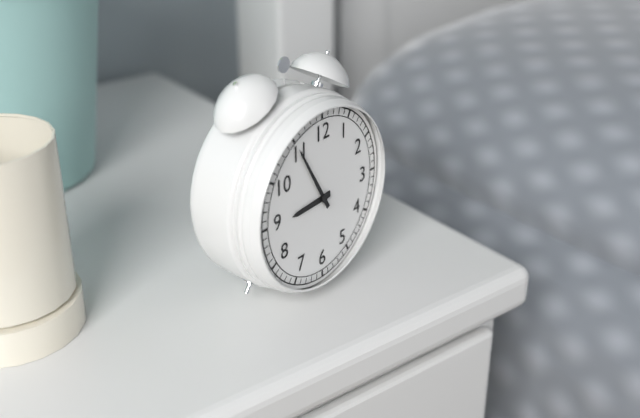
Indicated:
8.55
